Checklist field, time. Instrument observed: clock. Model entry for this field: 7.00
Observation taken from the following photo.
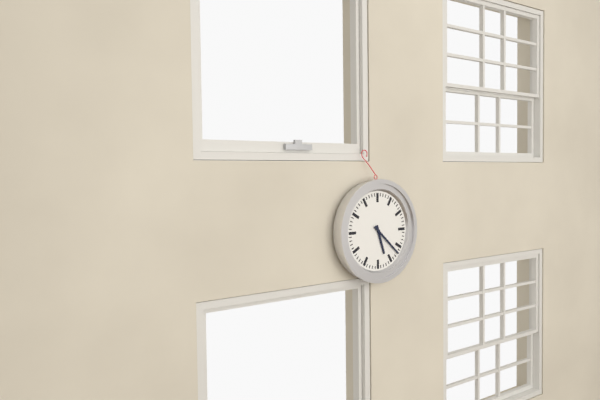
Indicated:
5.22
